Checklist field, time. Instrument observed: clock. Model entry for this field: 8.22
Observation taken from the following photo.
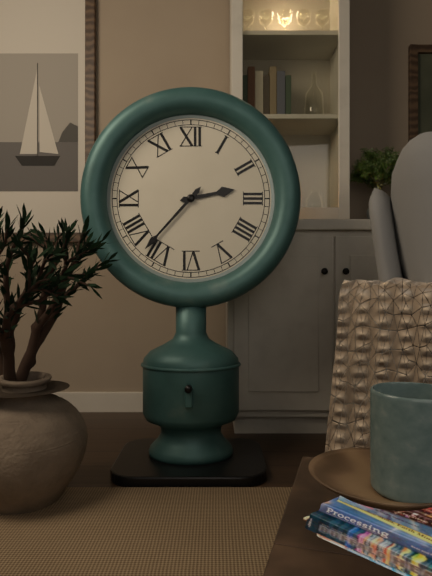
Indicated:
2.37
